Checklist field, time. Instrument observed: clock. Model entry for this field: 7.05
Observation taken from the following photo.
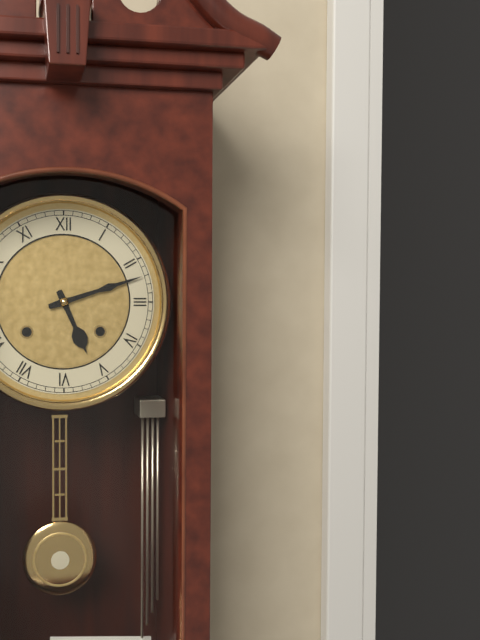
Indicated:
5.12
